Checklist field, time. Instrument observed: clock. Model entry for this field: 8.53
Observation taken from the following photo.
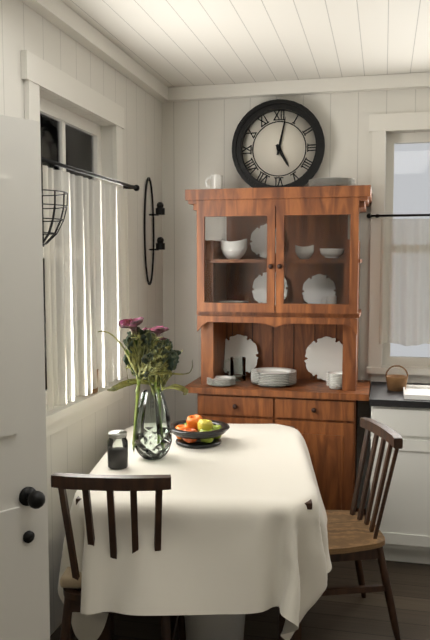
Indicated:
5.02
